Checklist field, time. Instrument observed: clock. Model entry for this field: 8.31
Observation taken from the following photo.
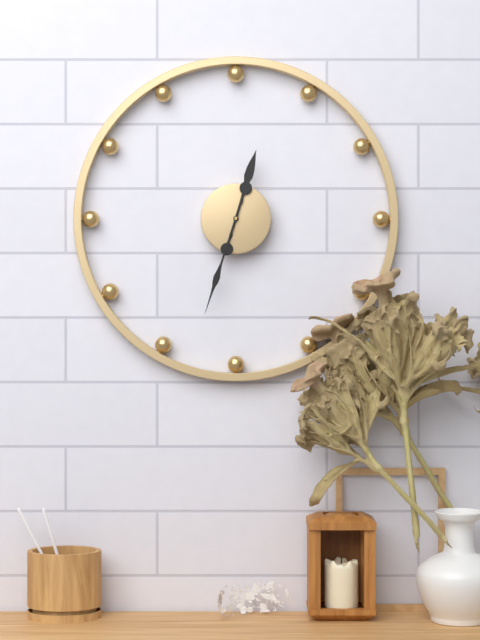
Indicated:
12.33
